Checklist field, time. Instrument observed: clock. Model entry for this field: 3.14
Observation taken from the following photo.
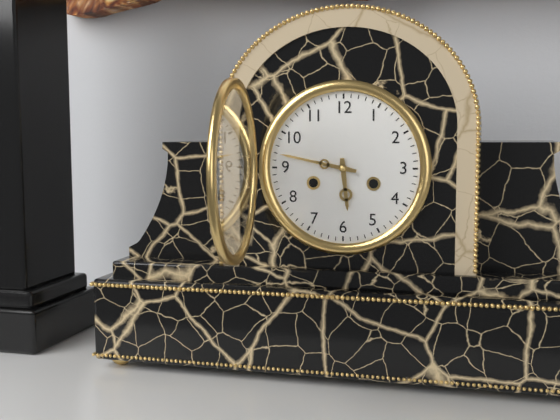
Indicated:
5.47
